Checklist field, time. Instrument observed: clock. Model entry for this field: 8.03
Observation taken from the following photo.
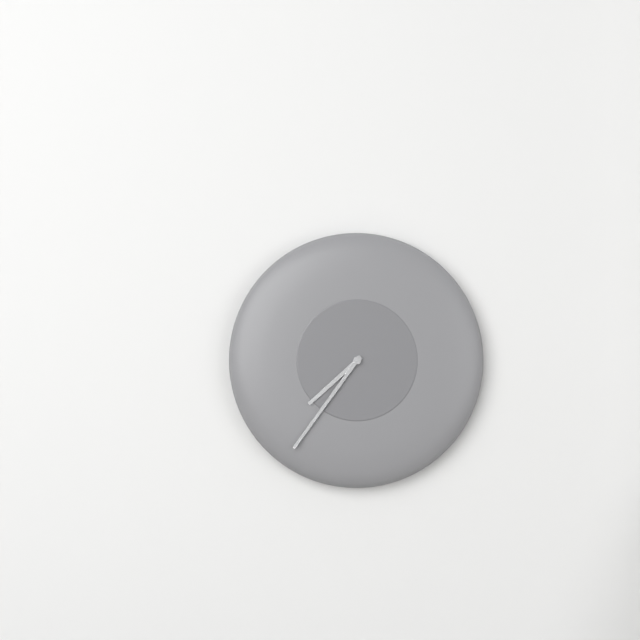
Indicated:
7.36
